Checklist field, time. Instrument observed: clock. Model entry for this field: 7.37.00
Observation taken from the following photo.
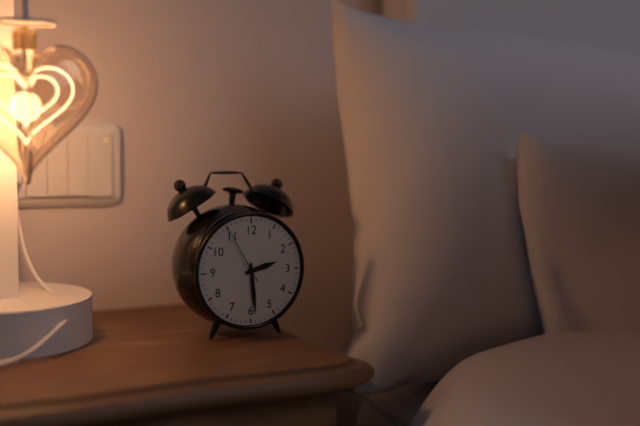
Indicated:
2.29.55
